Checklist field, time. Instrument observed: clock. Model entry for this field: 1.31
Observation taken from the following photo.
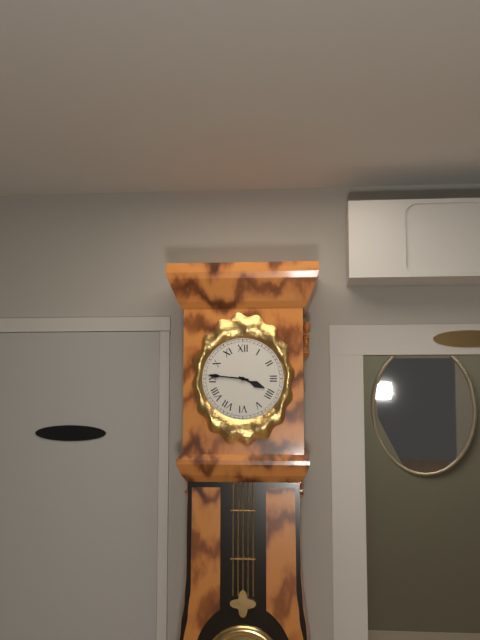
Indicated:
3.46
